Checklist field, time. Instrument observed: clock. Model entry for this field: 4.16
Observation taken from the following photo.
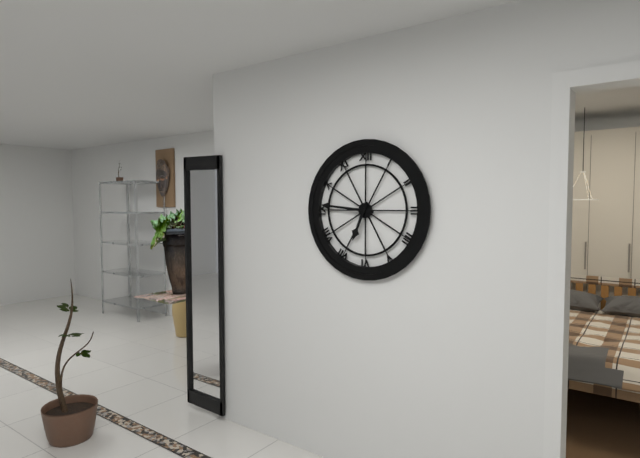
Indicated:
6.46
